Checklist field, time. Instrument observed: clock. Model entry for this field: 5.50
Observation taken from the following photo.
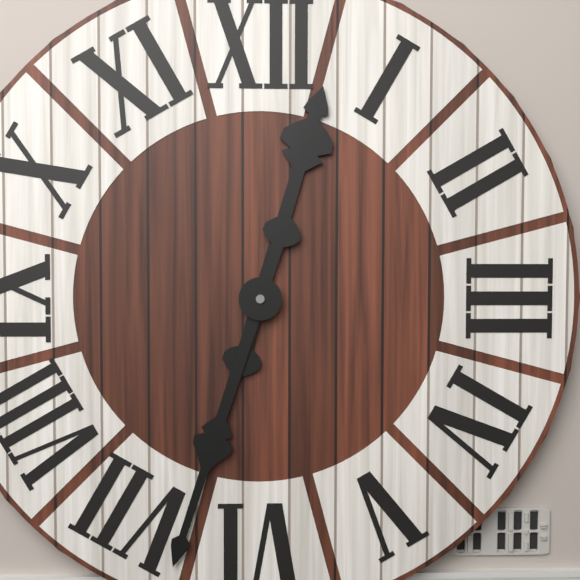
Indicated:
12.33
